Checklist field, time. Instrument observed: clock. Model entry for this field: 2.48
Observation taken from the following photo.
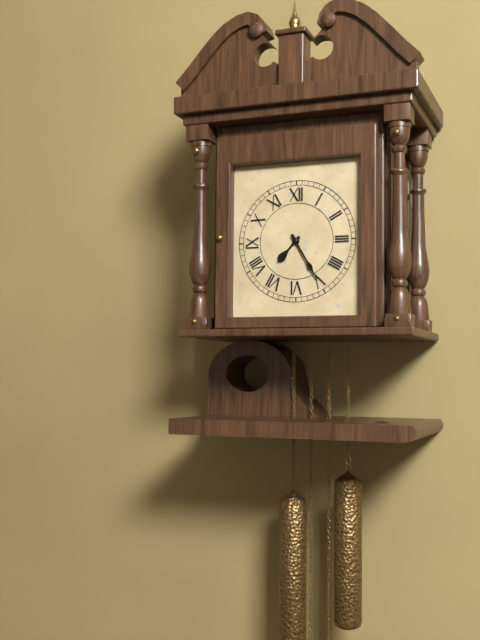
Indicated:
7.25
